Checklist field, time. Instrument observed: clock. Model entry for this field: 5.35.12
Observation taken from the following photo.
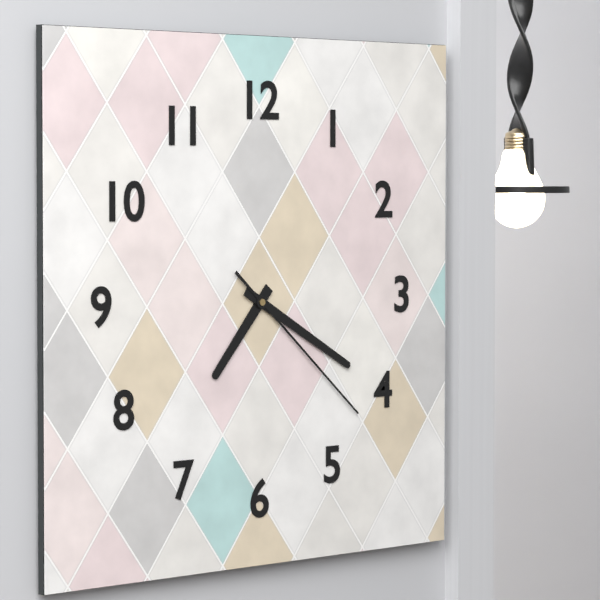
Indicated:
7.20.22
